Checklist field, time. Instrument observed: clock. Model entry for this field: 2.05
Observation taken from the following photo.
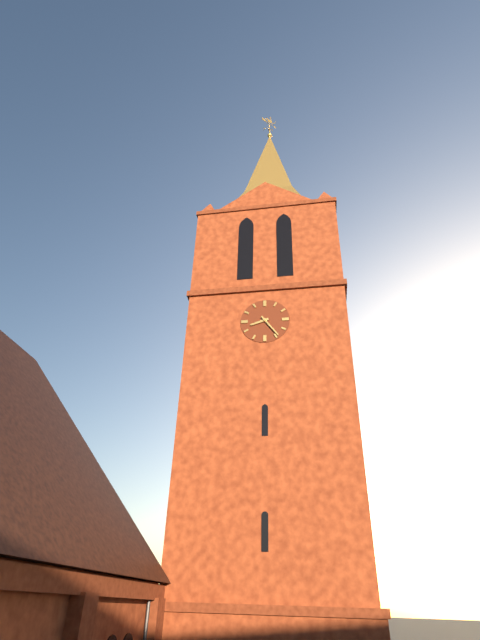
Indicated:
8.24
